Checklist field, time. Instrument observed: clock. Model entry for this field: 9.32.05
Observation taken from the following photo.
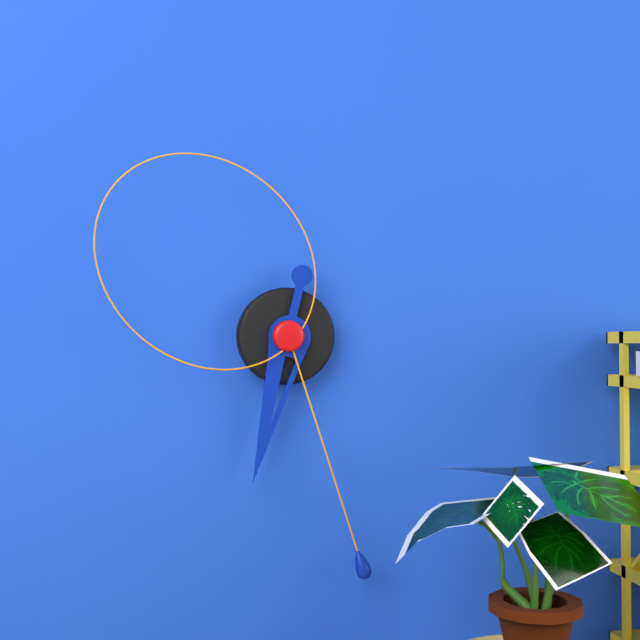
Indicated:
6.27.52
